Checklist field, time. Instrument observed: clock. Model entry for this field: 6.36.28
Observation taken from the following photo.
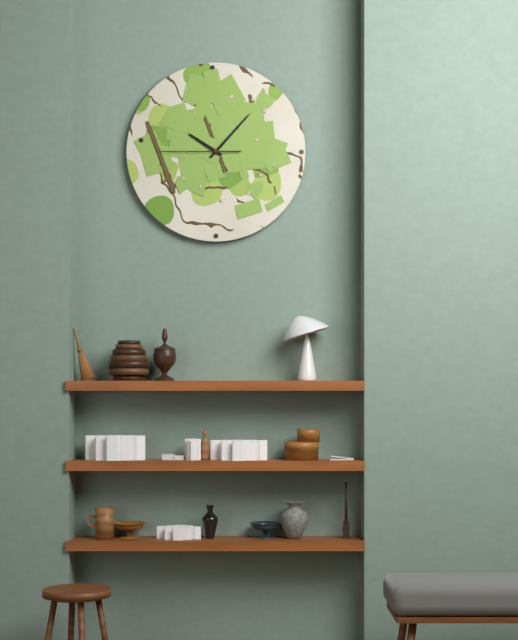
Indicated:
10.07.45
